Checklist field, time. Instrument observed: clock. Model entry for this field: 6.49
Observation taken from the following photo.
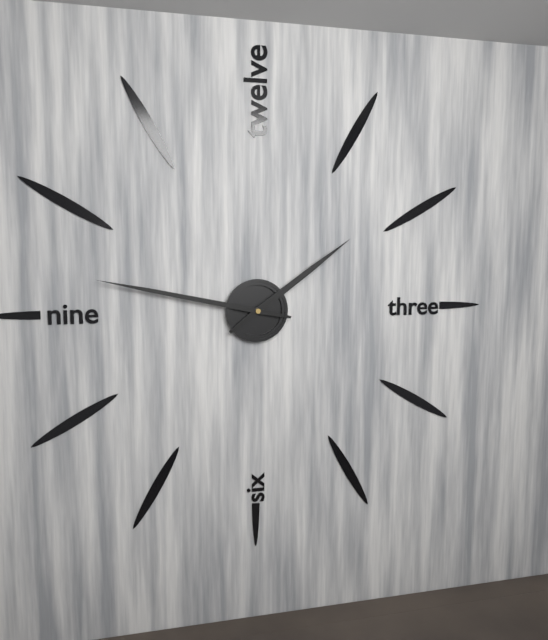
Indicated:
1.47
